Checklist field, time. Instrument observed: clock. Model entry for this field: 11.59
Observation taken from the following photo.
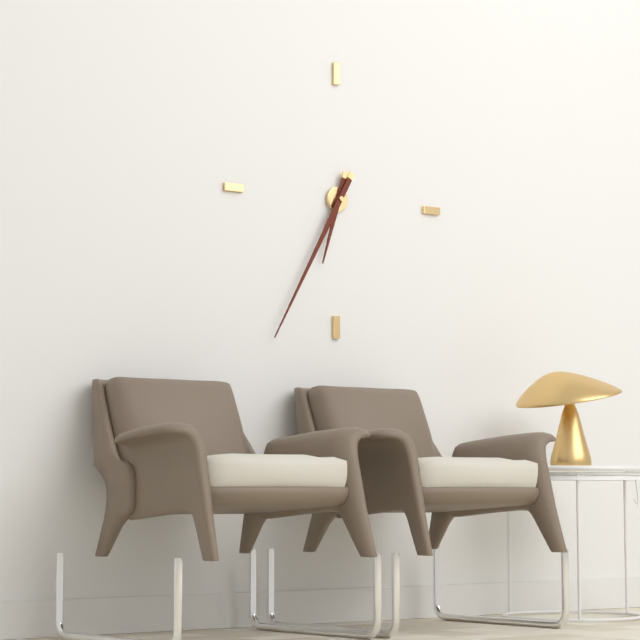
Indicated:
6.35
